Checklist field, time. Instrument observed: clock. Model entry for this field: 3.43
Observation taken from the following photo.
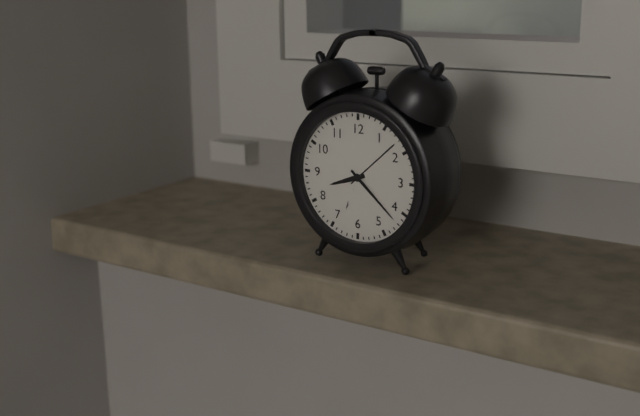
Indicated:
8.22
